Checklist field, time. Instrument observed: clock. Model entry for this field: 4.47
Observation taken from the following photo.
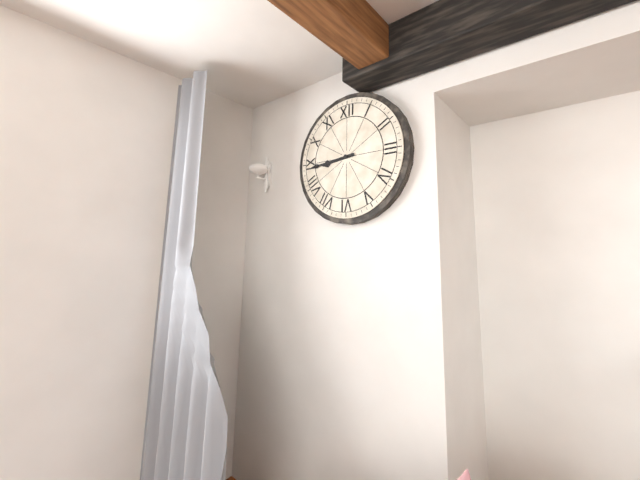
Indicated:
8.44
